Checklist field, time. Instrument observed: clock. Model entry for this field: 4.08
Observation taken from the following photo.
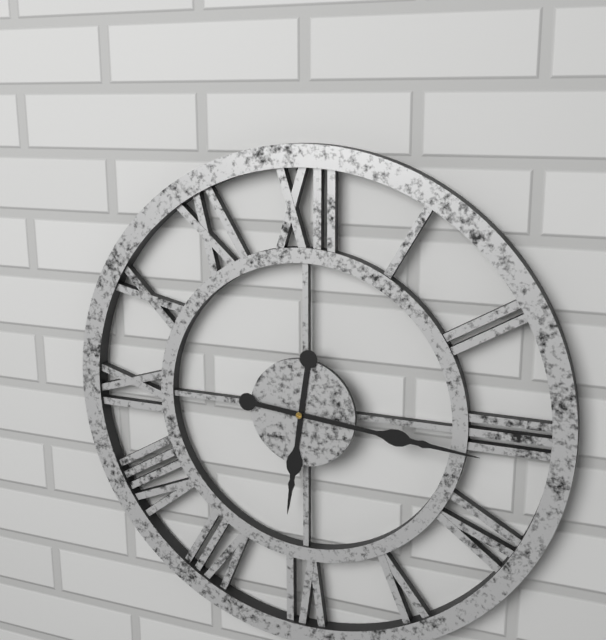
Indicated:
6.16
